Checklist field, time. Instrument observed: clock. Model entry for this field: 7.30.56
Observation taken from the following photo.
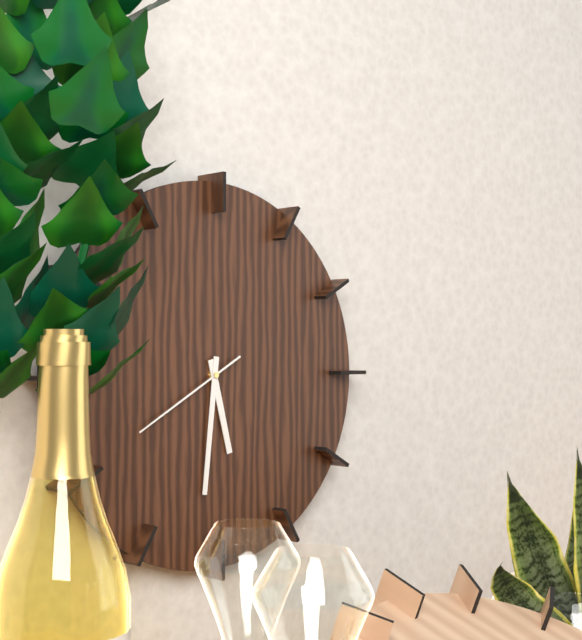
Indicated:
5.31.40
